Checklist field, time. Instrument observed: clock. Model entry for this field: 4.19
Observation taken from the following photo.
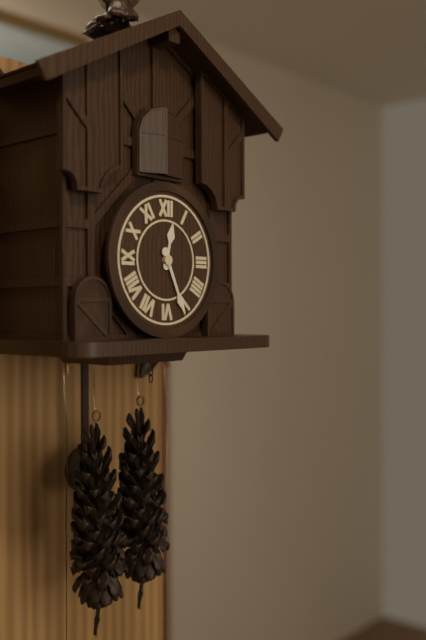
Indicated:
12.26
